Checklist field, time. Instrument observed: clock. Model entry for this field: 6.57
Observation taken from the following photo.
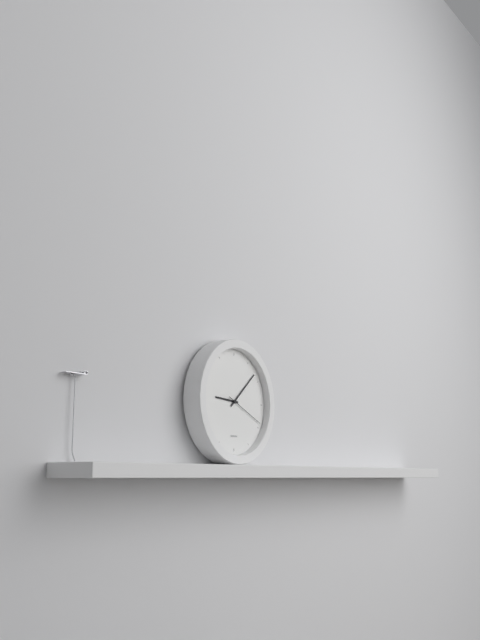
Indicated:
9.08
